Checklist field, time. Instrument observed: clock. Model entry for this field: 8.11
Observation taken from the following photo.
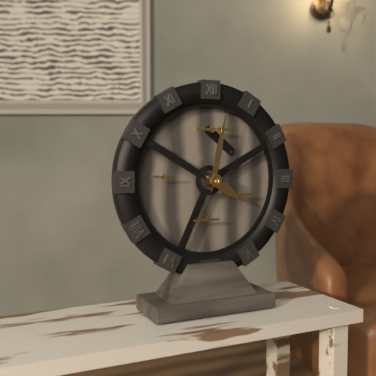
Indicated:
4.02
